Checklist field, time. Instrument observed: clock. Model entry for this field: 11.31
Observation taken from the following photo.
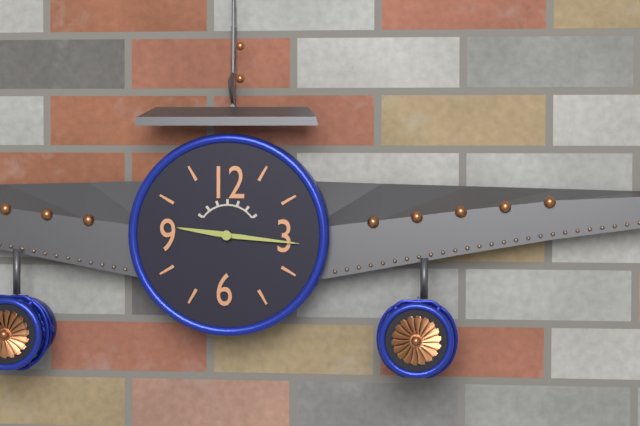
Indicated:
9.16
